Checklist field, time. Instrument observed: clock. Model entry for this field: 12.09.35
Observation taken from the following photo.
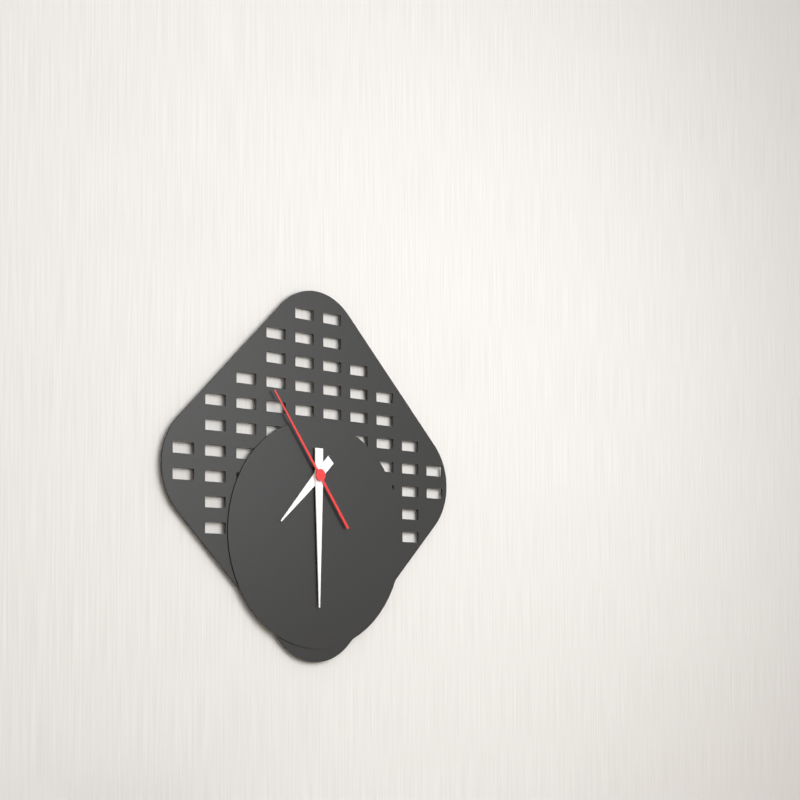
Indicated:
7.30.54
